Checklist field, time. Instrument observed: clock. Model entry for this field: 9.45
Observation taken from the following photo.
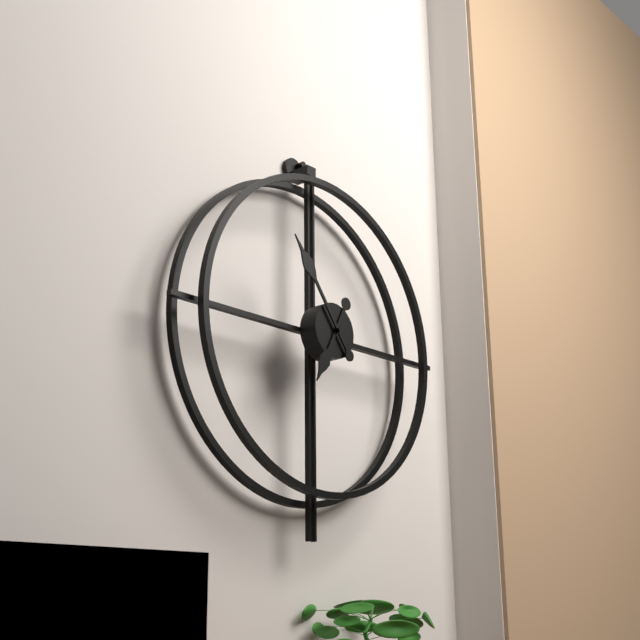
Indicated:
6.54
